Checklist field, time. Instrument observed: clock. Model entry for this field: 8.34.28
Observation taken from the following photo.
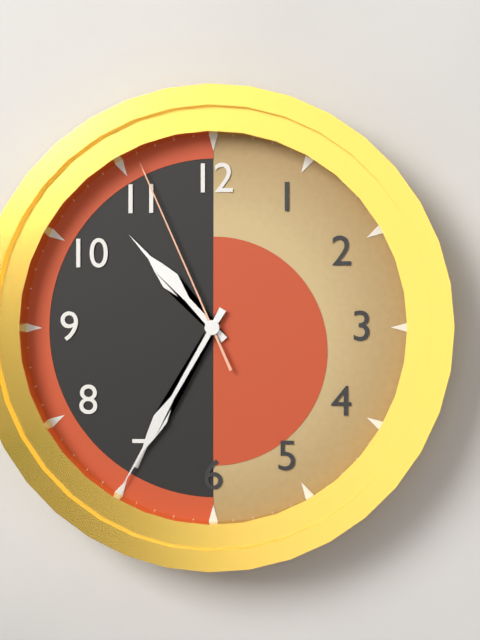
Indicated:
10.35.56
